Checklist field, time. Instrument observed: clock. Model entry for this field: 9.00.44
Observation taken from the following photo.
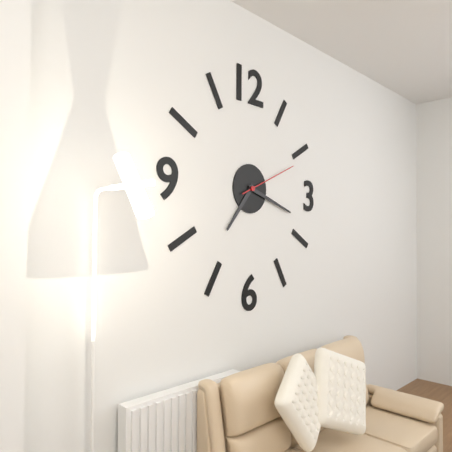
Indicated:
7.18.11
